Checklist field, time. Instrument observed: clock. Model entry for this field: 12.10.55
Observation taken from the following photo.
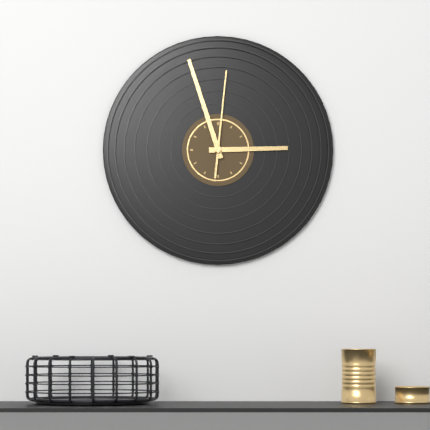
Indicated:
2.57.01
